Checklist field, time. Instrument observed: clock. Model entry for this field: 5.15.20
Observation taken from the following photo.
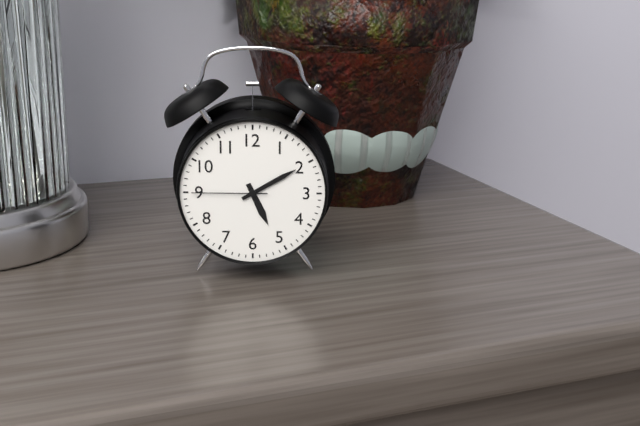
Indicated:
5.10.45
